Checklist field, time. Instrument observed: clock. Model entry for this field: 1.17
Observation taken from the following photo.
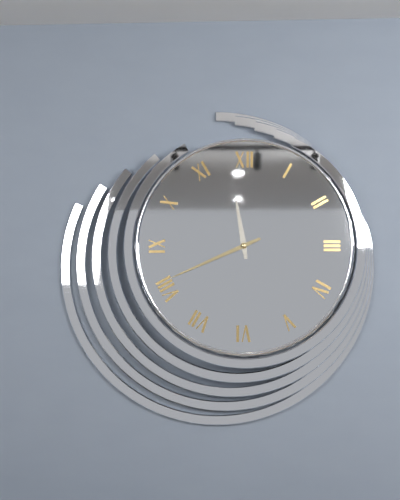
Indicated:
11.41
